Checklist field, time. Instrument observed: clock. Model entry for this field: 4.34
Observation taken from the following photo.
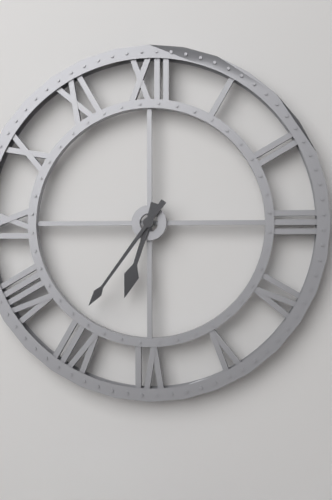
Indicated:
6.36
